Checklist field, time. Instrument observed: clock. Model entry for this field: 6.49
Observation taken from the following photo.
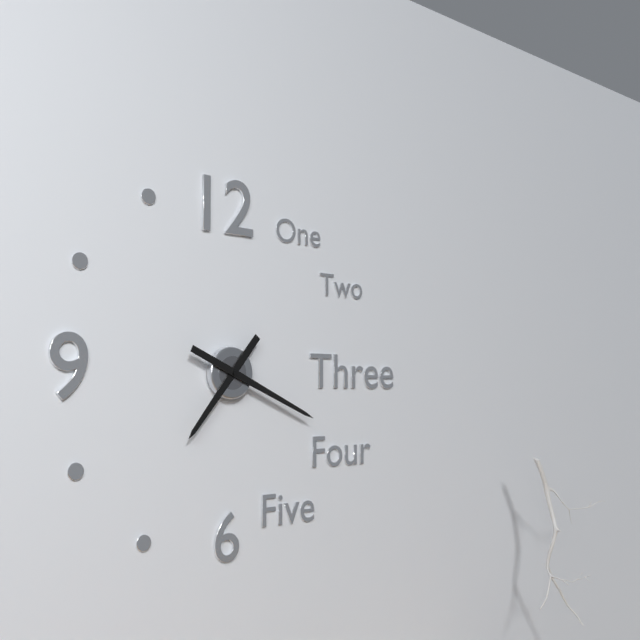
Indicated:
7.19
